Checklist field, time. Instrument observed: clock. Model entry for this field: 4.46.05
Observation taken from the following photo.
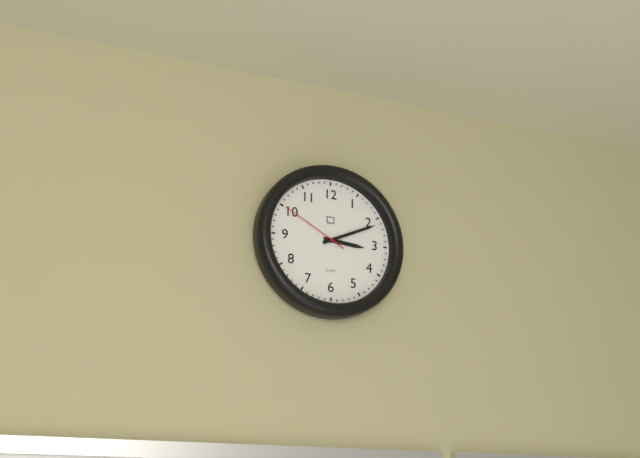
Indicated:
3.11.50
